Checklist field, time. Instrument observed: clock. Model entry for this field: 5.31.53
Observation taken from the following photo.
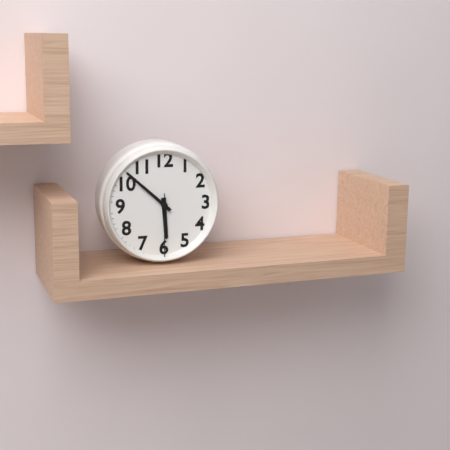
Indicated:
5.52.30
